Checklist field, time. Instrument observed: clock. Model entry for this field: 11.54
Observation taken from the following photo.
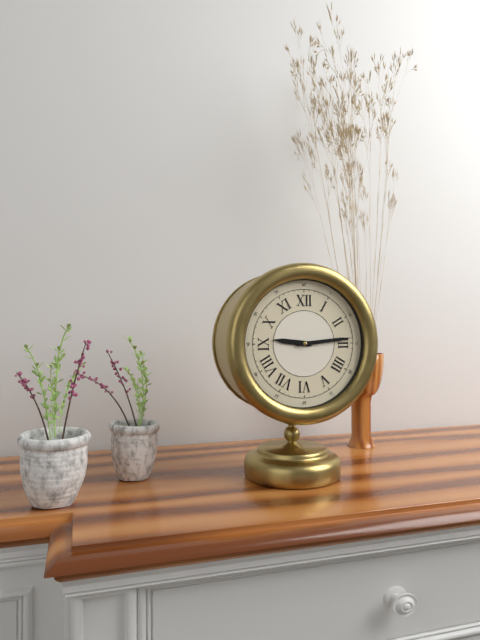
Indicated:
9.14
